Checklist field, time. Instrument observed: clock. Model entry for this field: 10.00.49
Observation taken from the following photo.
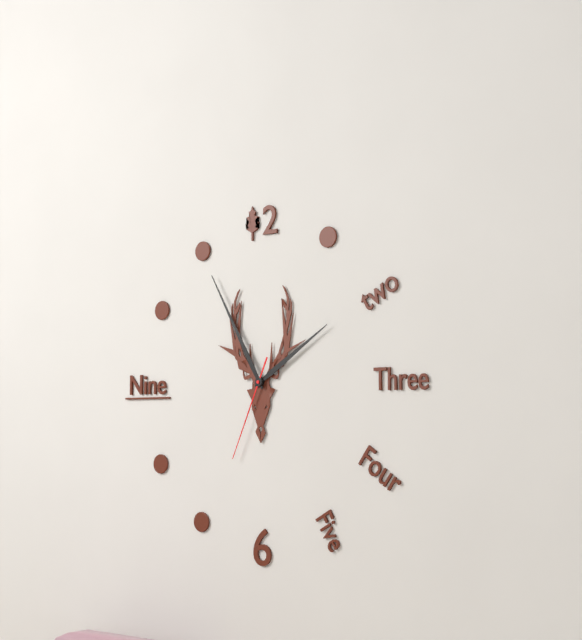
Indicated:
1.55.34
